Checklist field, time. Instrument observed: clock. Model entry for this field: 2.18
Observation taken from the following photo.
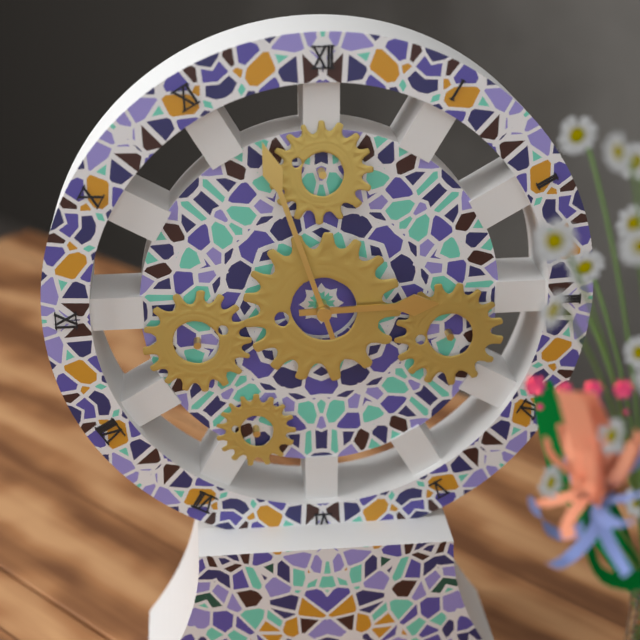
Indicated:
2.57
